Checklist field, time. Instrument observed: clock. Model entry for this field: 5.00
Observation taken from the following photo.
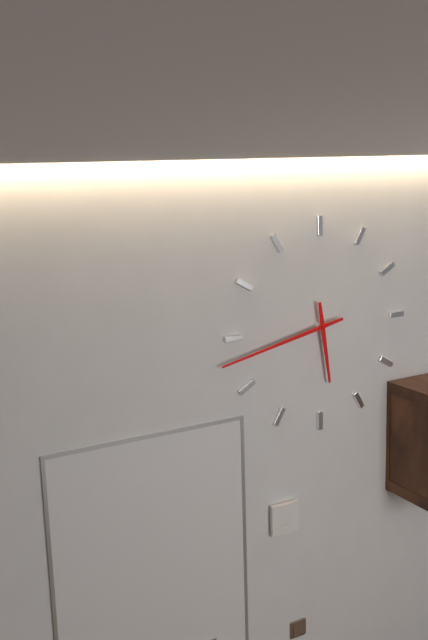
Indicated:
5.43
